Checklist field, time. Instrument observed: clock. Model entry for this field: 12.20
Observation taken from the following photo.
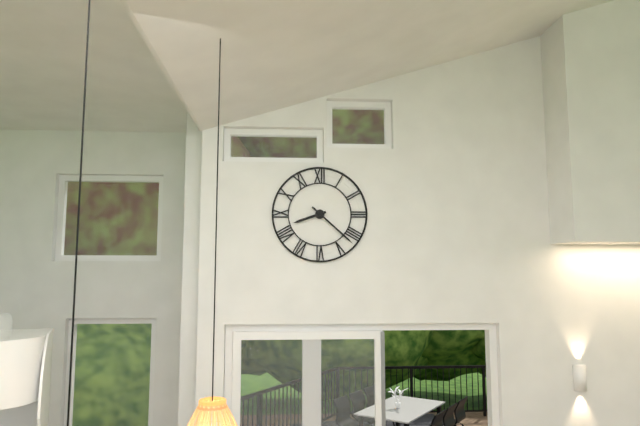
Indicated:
8.22
